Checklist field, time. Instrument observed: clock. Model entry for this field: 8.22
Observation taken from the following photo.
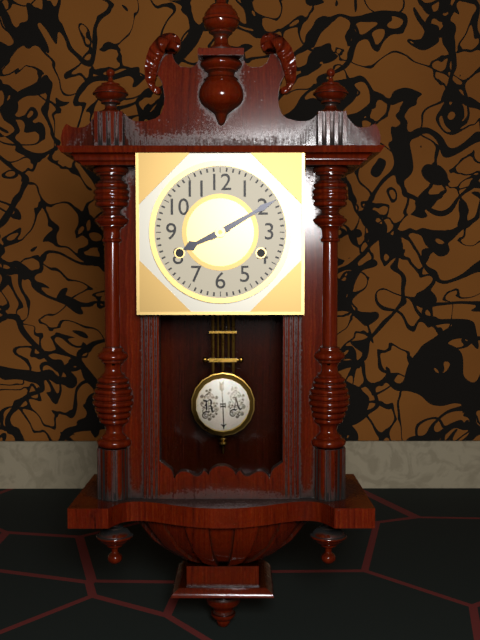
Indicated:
8.10
